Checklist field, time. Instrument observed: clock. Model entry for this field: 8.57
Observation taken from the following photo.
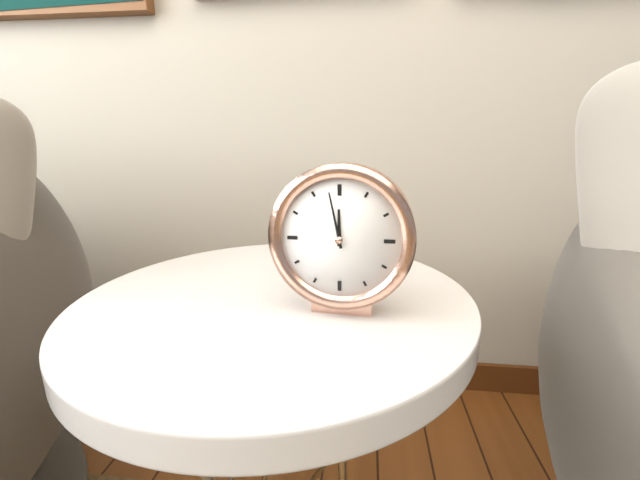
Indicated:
11.58
